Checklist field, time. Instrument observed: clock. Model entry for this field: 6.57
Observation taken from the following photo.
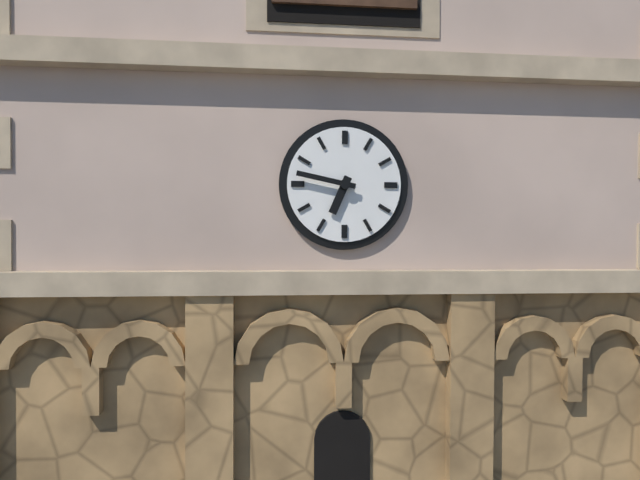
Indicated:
6.47
